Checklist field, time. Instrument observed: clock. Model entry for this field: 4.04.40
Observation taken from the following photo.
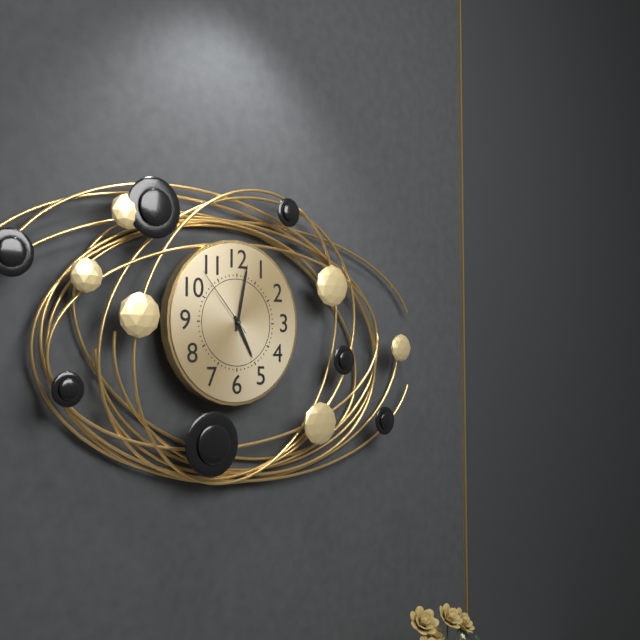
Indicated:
5.02.53
